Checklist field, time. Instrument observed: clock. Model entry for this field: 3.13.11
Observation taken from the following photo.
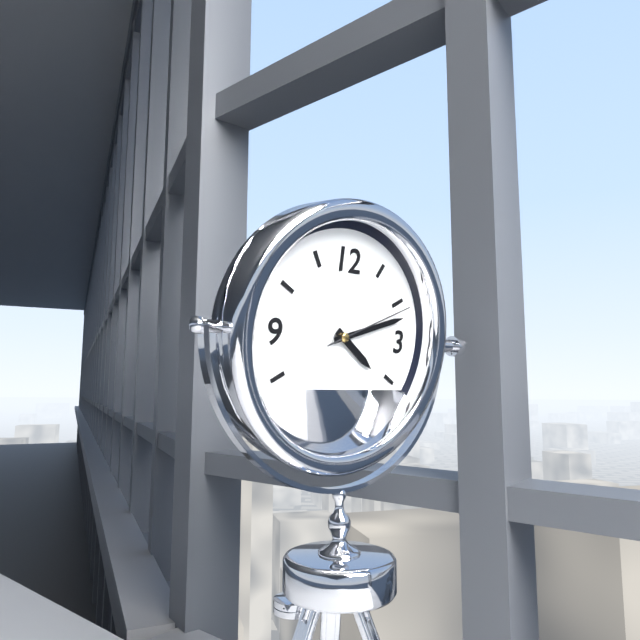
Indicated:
4.12.11
